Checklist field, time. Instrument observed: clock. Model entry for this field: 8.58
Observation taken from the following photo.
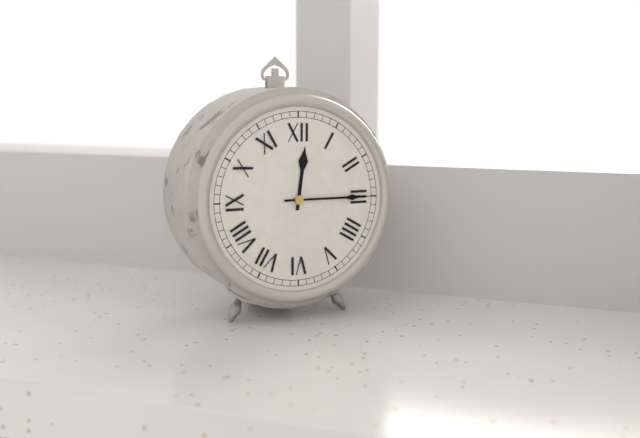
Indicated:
12.15
